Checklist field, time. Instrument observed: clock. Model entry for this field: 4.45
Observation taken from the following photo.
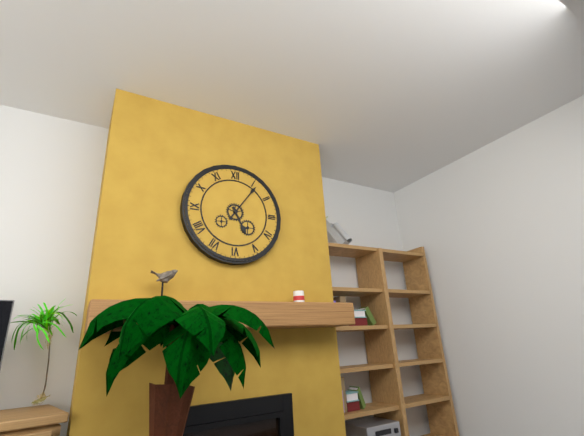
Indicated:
5.06
